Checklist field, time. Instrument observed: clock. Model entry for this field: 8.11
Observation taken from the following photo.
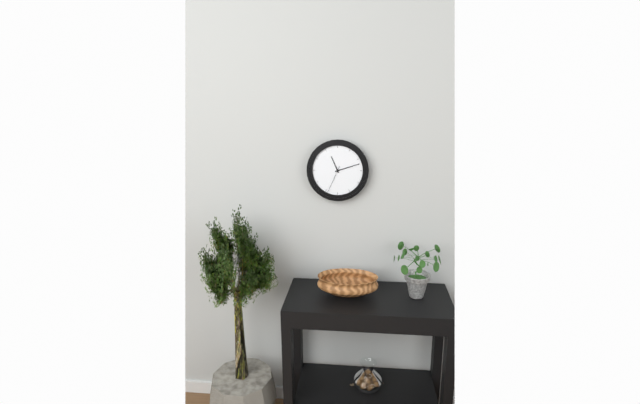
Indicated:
11.12
